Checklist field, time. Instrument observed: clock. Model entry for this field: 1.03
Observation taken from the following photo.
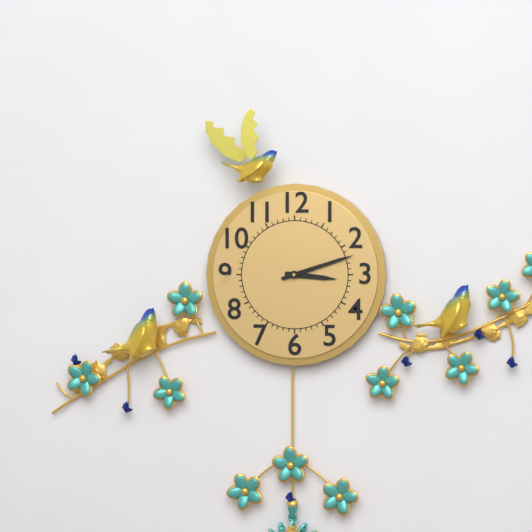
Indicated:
3.12
